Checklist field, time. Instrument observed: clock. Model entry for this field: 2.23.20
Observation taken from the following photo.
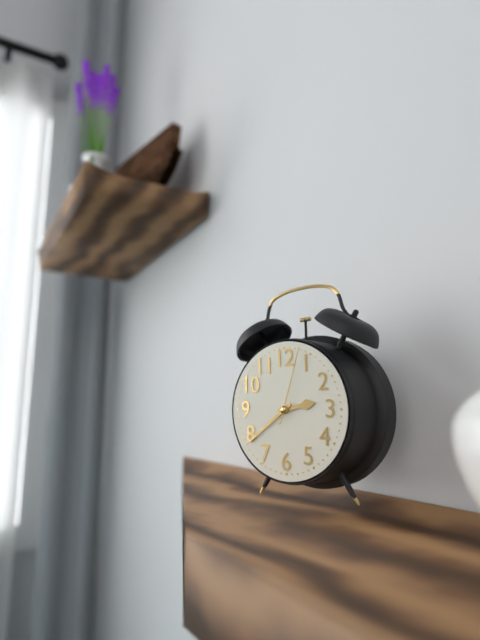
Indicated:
2.39.03
